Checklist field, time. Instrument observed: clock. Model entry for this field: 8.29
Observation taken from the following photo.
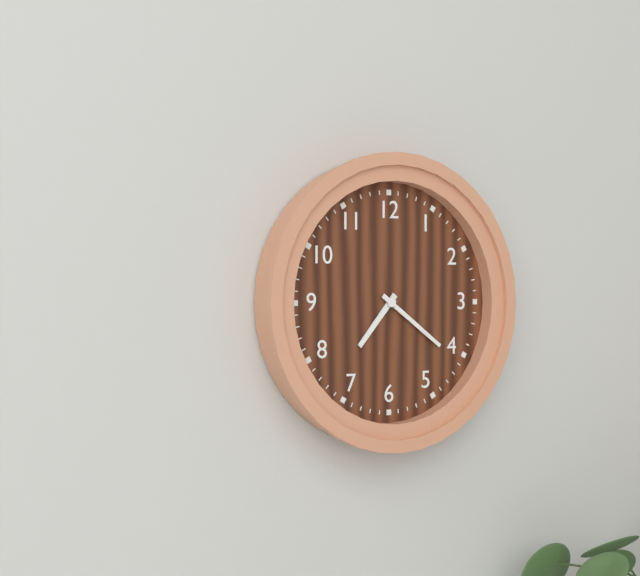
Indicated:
7.21
